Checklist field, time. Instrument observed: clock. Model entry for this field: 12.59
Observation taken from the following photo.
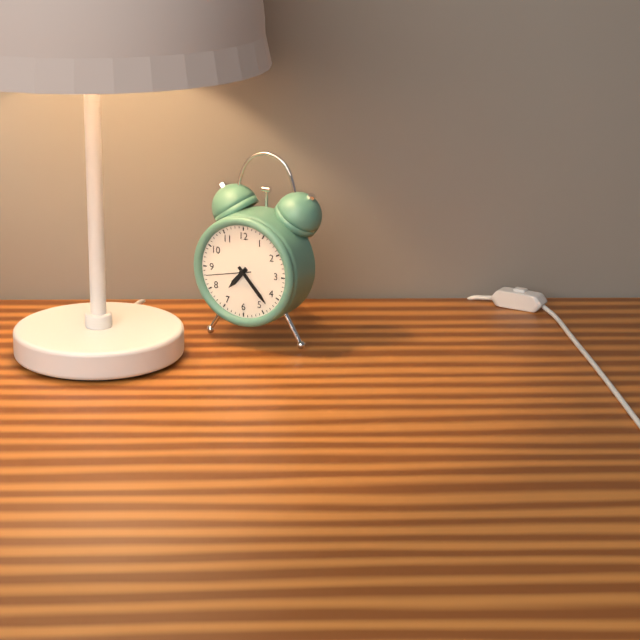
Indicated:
7.23
